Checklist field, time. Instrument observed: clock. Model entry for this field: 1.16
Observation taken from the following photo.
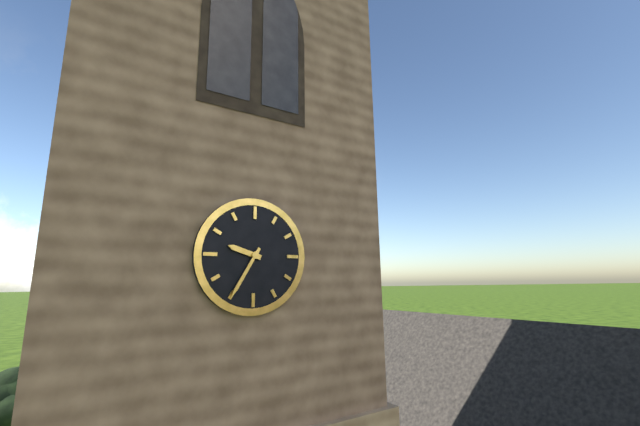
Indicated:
9.35
